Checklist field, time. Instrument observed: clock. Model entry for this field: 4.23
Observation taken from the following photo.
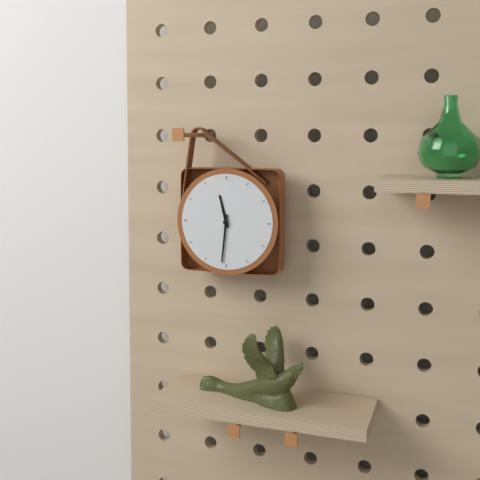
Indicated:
11.31
